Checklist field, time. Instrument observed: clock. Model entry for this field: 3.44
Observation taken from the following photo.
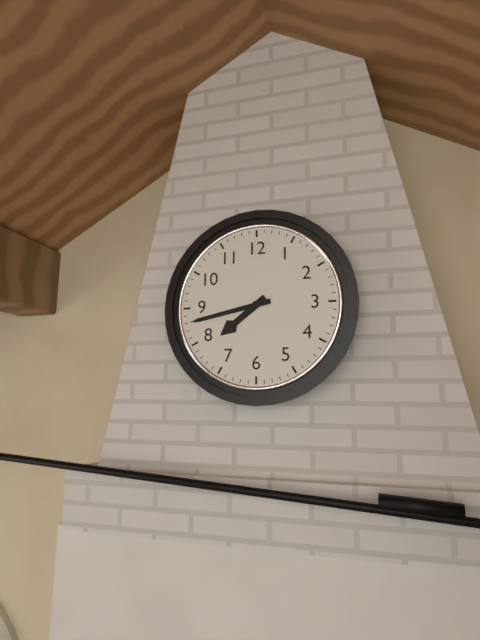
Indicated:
7.43
